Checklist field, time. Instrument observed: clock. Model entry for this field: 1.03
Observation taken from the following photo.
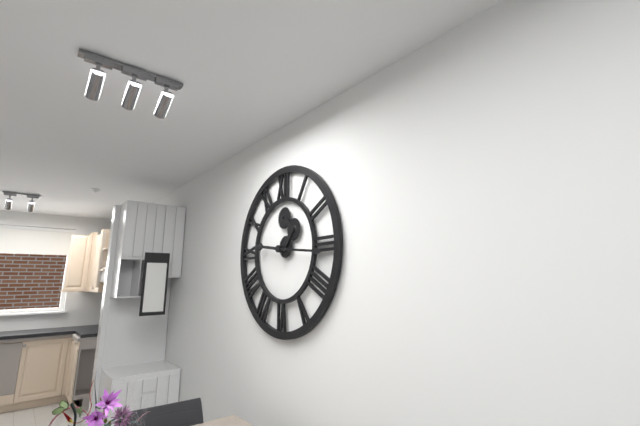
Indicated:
9.16
